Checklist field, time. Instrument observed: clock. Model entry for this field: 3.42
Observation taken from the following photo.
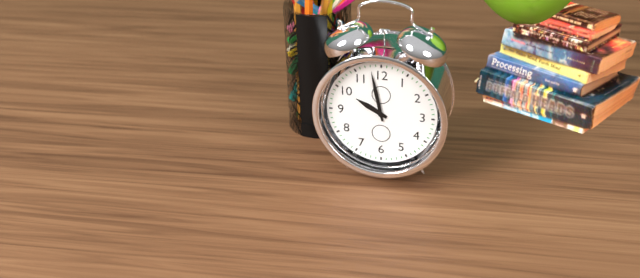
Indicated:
9.58
